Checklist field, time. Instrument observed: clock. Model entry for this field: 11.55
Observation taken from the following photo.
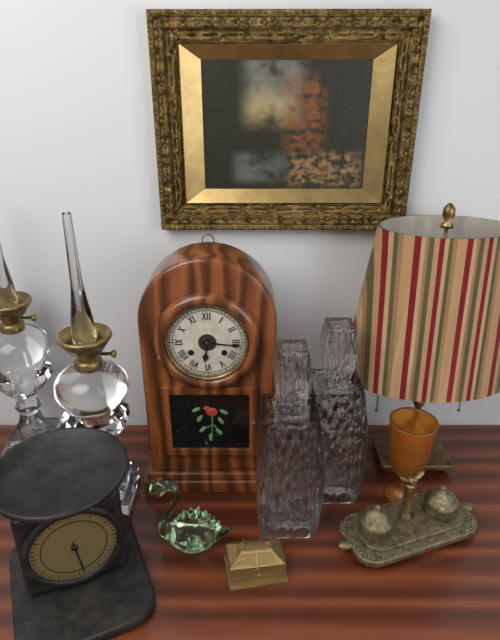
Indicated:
6.16
